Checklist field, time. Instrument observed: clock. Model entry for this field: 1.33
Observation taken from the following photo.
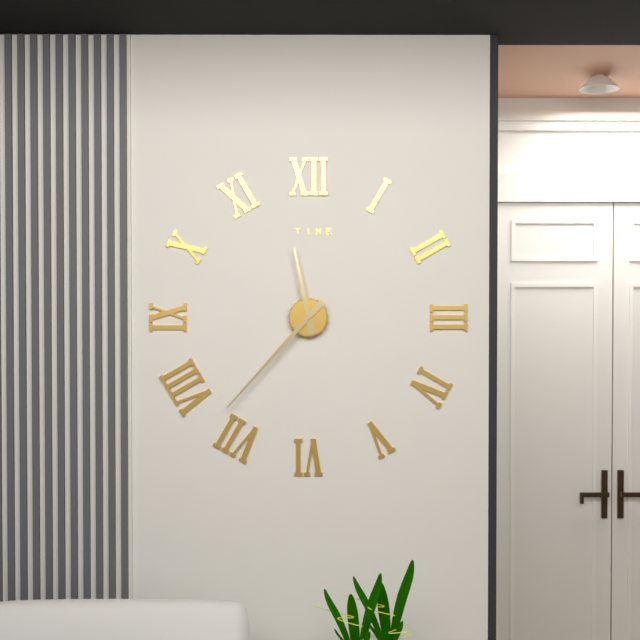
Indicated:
11.37
